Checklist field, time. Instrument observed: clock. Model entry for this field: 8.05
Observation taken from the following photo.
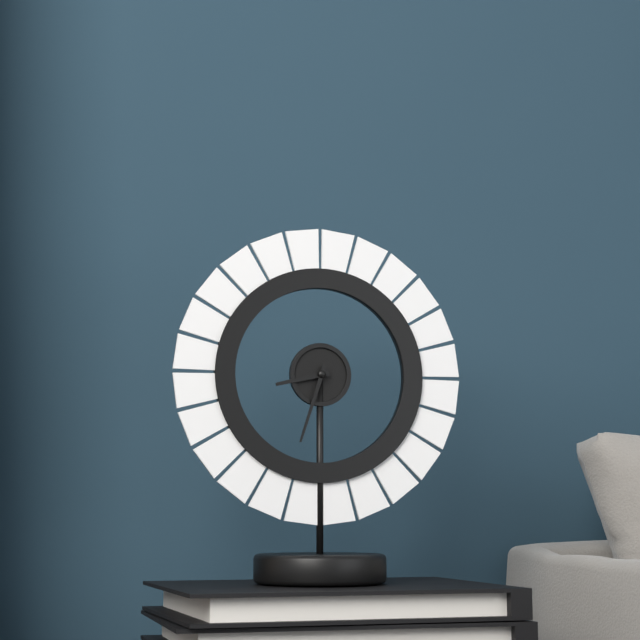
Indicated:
8.33
